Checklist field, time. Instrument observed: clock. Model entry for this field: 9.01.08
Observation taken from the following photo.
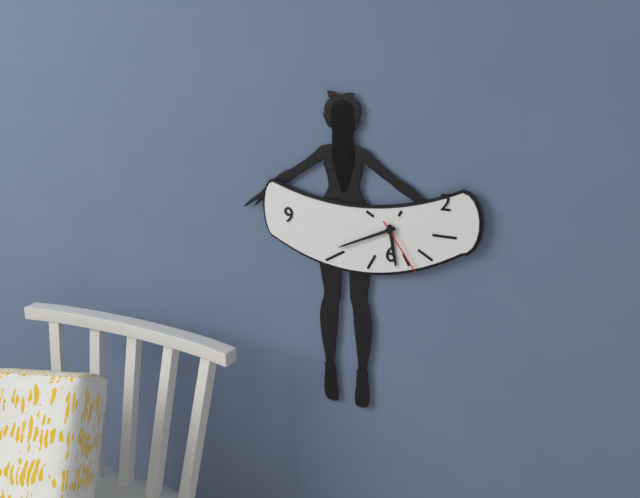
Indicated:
5.41.24
